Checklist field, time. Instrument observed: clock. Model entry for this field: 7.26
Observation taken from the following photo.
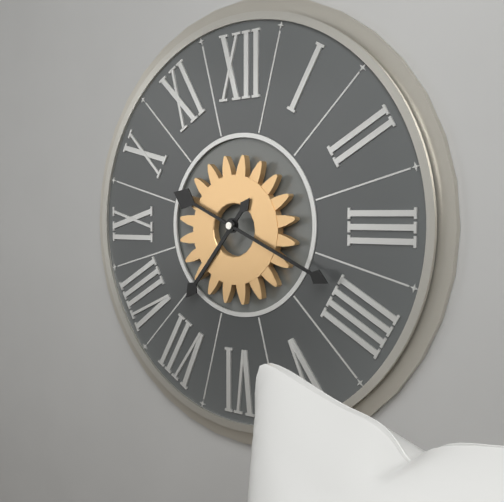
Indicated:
7.19
